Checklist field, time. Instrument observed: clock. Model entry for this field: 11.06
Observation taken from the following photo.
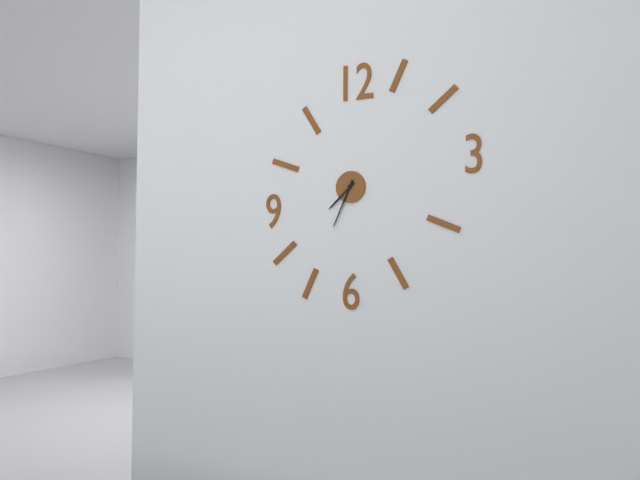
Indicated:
7.34
